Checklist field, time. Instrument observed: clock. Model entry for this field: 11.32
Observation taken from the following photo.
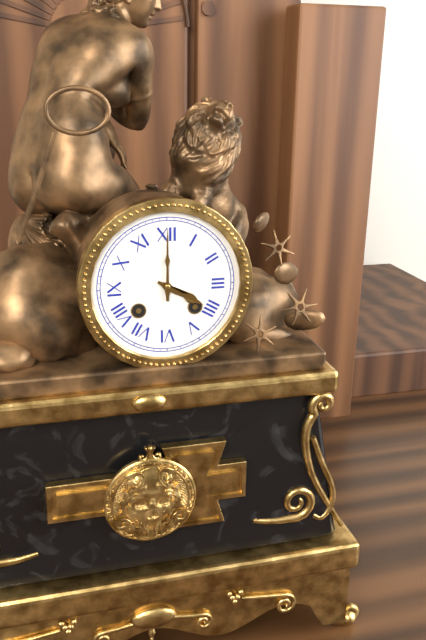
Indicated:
4.00
